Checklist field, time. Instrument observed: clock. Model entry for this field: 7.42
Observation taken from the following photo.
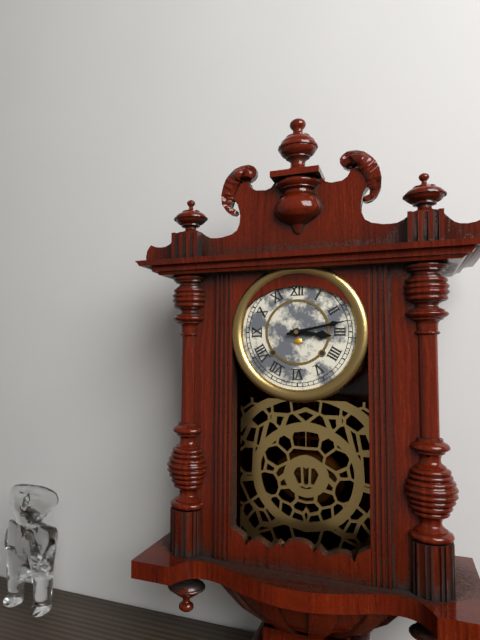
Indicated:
3.13
